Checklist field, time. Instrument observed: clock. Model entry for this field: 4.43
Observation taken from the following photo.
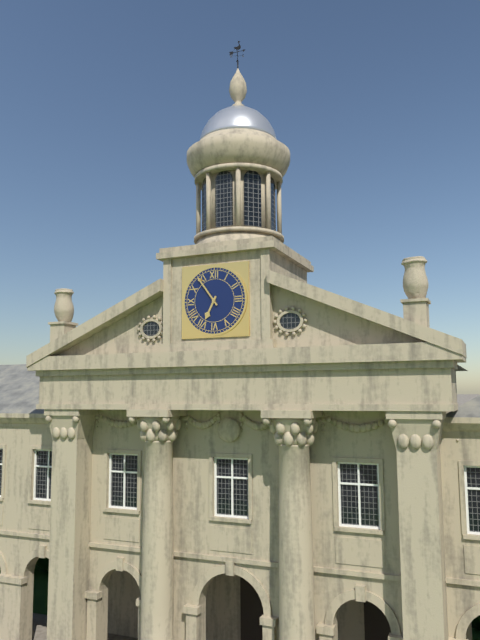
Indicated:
6.54
